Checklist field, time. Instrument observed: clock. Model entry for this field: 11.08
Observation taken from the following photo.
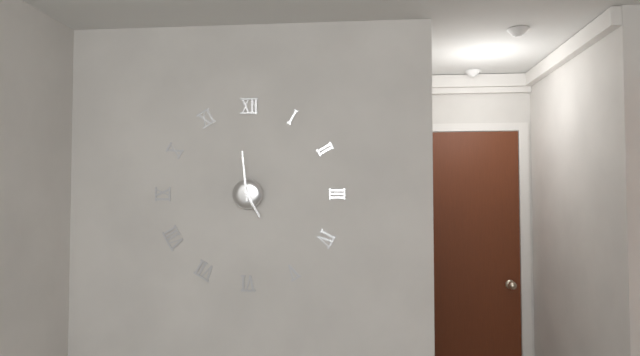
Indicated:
4.59
